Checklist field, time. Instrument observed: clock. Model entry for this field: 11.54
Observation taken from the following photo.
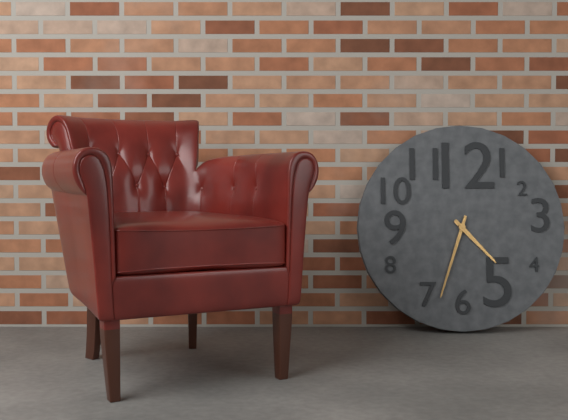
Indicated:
4.33
